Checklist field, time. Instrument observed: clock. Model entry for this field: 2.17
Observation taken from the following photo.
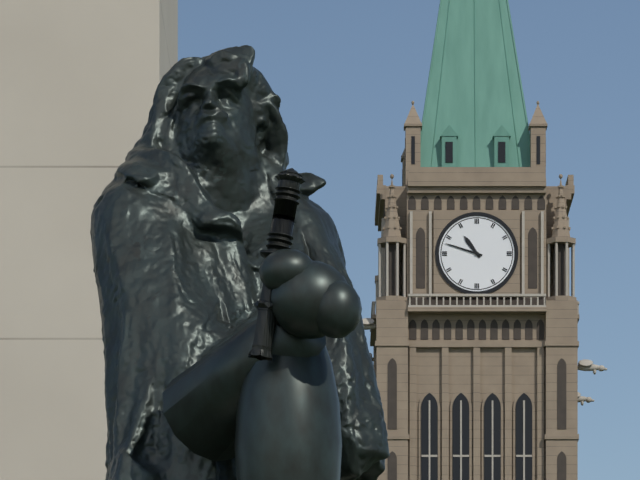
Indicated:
10.48
